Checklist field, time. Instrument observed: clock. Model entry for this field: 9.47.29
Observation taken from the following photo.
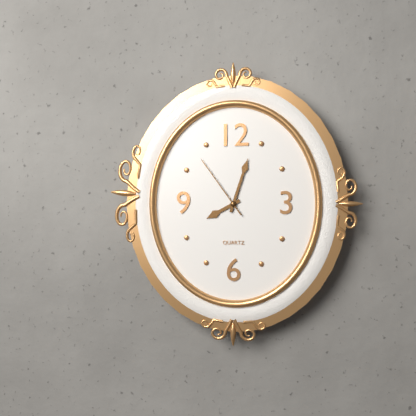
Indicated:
8.03.54
